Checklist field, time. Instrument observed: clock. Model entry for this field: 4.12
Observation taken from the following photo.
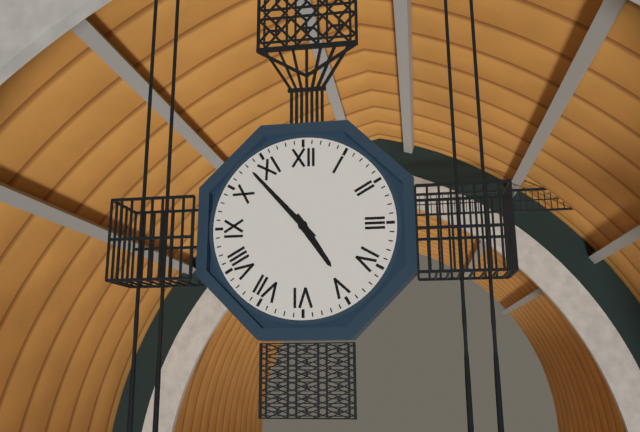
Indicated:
4.53
